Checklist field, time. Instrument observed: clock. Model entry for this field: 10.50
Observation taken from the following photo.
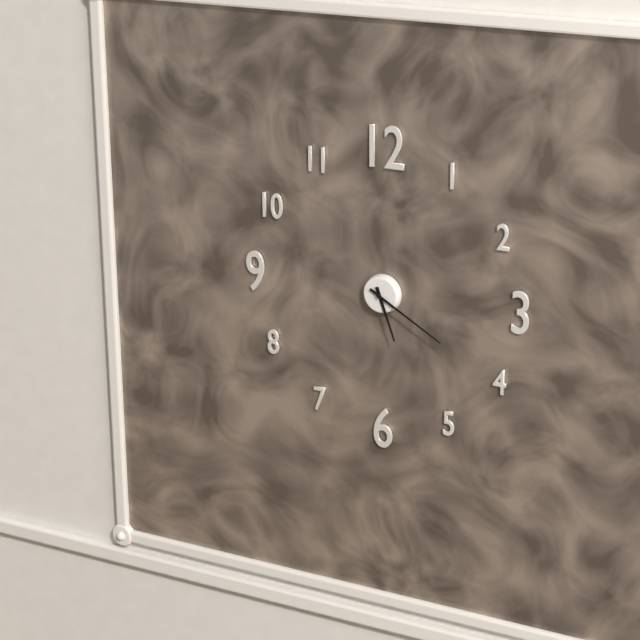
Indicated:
5.20
